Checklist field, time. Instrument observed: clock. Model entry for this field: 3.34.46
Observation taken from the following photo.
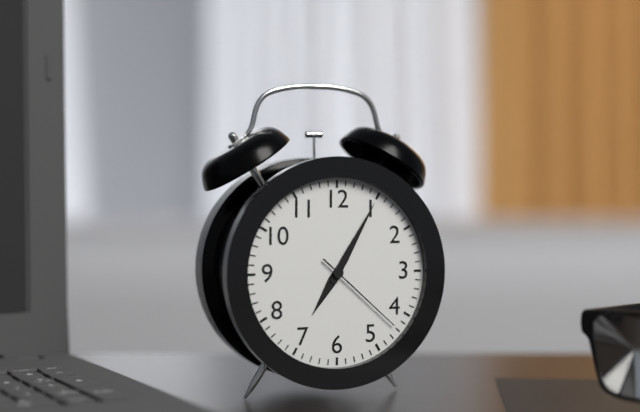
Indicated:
7.05.22
